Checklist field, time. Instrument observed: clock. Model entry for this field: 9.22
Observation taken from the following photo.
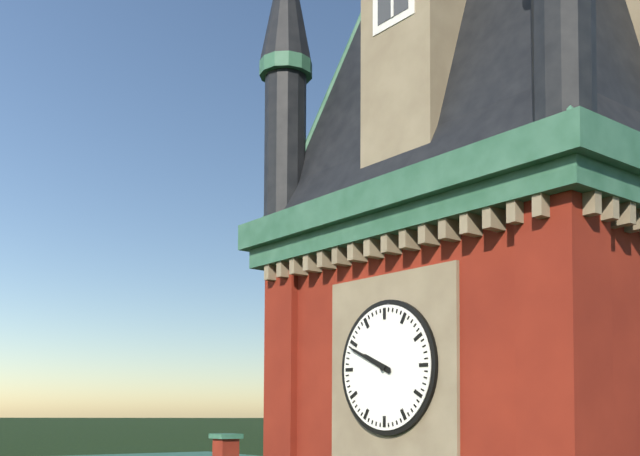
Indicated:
9.49
